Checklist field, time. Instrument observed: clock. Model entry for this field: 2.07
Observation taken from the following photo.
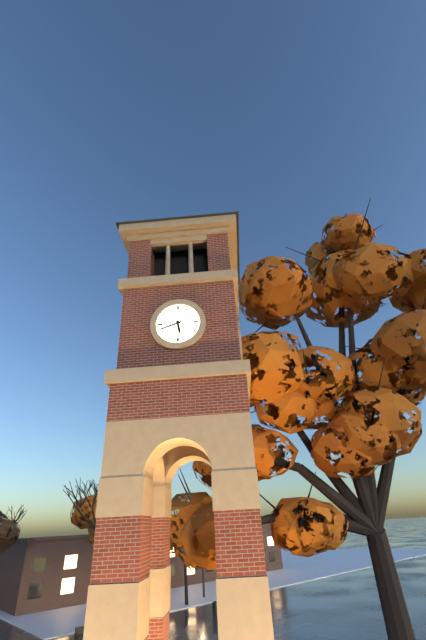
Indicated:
5.42
